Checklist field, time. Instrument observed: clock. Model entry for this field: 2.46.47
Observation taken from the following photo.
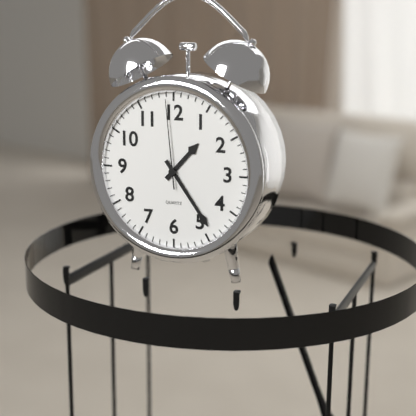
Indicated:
1.24.59
